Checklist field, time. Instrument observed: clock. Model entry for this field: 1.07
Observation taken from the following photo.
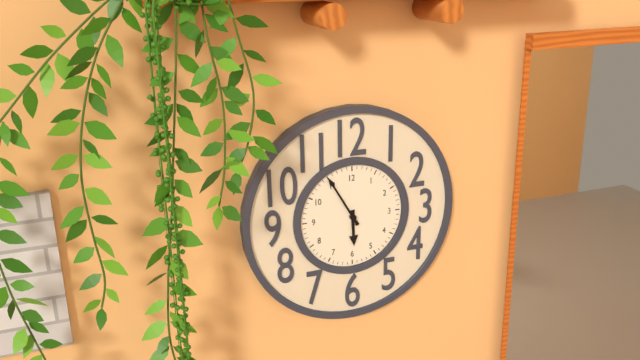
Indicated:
5.55
